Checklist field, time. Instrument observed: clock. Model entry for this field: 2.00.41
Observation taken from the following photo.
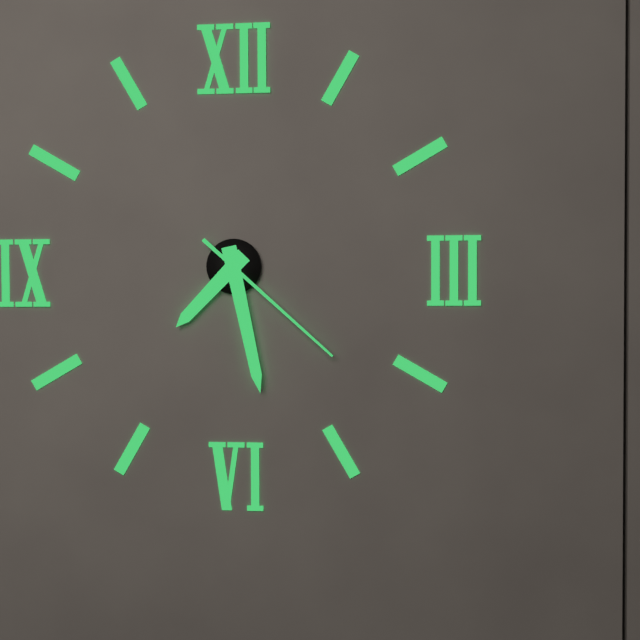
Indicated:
7.28.22
